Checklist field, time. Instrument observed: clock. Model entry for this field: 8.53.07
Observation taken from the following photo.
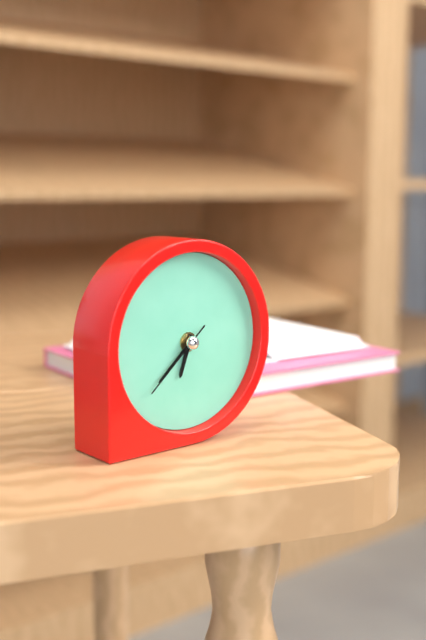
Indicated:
6.38.38
